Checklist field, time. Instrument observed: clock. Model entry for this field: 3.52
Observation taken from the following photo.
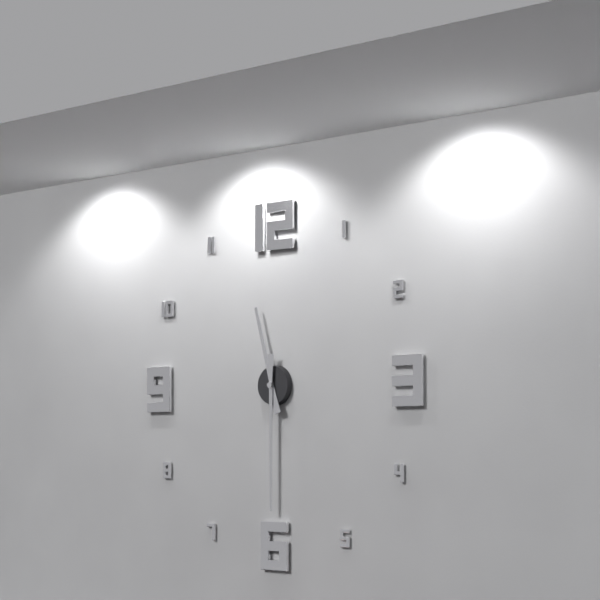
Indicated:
11.30
